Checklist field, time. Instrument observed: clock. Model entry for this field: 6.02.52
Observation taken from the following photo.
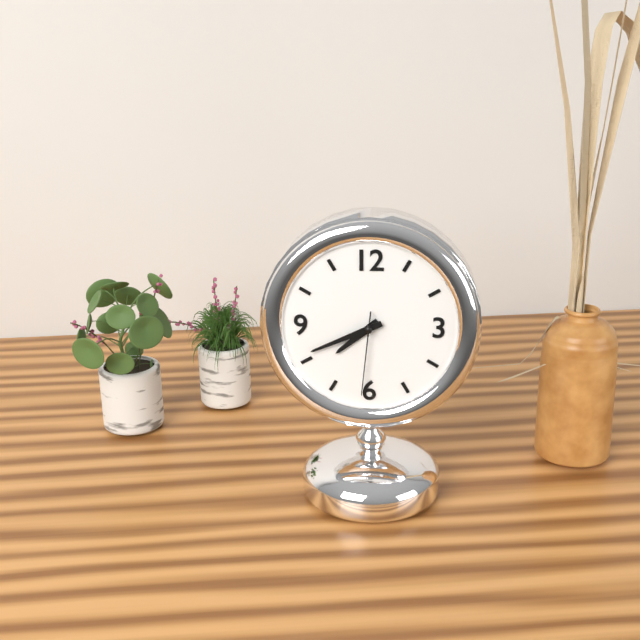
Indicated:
7.41.31
